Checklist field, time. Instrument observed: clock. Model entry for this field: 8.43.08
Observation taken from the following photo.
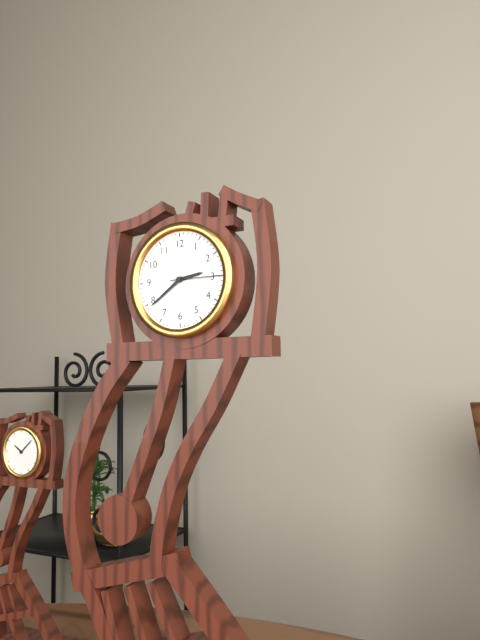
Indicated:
2.39.15
